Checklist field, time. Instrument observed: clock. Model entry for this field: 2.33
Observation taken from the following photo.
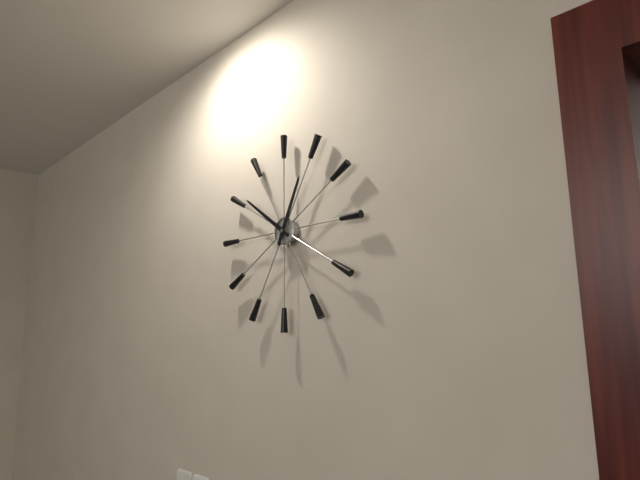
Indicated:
12.51
